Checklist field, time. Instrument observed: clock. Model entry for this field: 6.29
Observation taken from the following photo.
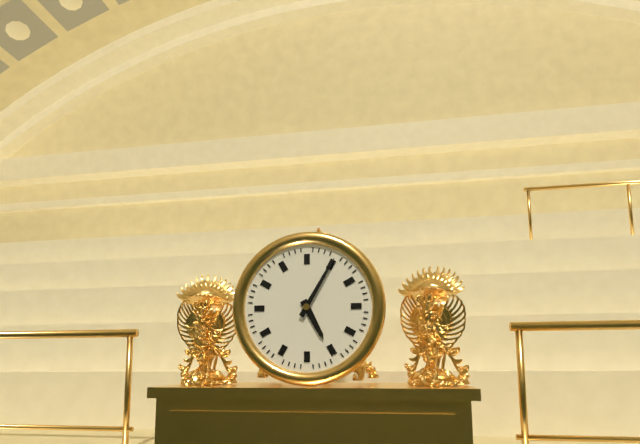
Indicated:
5.05
